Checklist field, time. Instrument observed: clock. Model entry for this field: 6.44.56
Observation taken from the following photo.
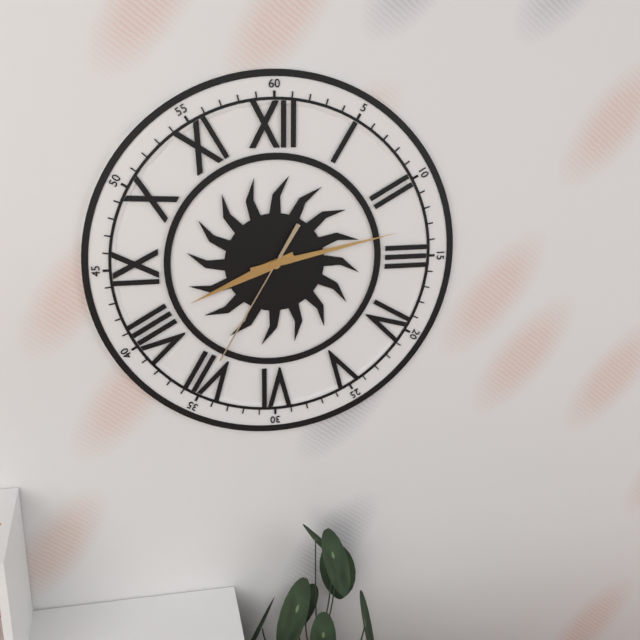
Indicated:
8.13.35
